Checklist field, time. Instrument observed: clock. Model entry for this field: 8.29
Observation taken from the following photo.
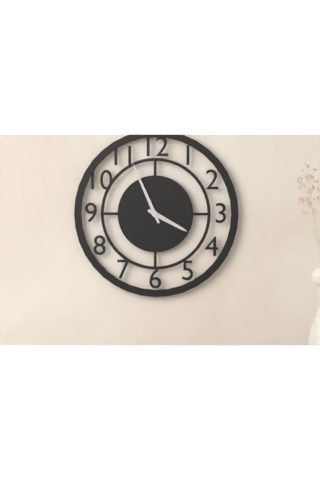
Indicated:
3.56
